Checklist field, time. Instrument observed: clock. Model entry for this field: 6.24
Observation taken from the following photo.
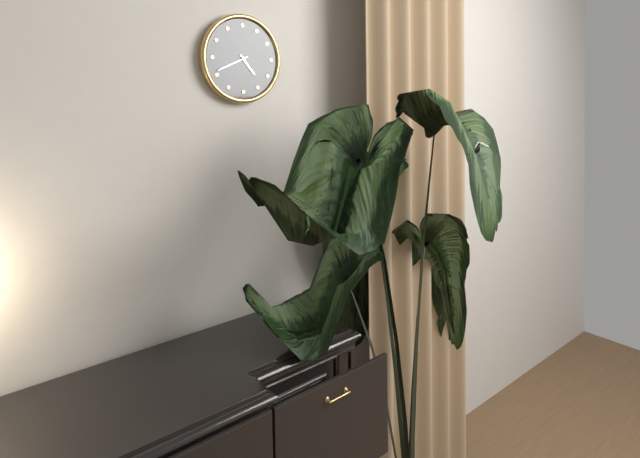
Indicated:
4.41
